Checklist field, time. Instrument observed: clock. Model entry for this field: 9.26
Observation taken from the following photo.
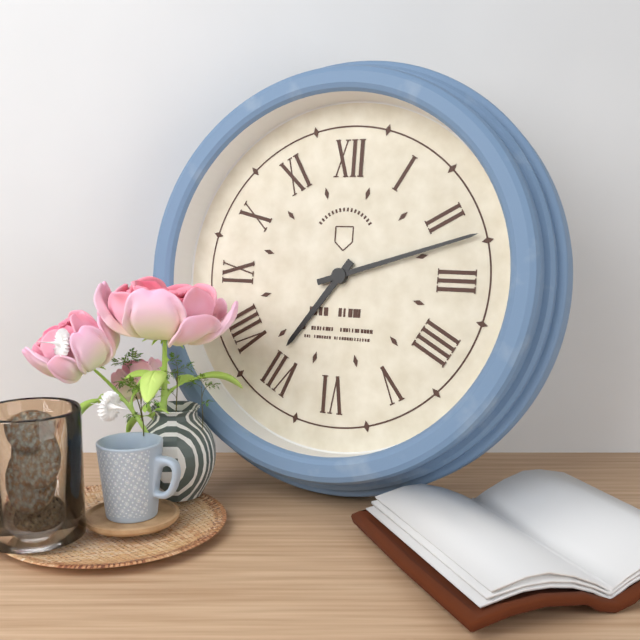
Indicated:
7.12
